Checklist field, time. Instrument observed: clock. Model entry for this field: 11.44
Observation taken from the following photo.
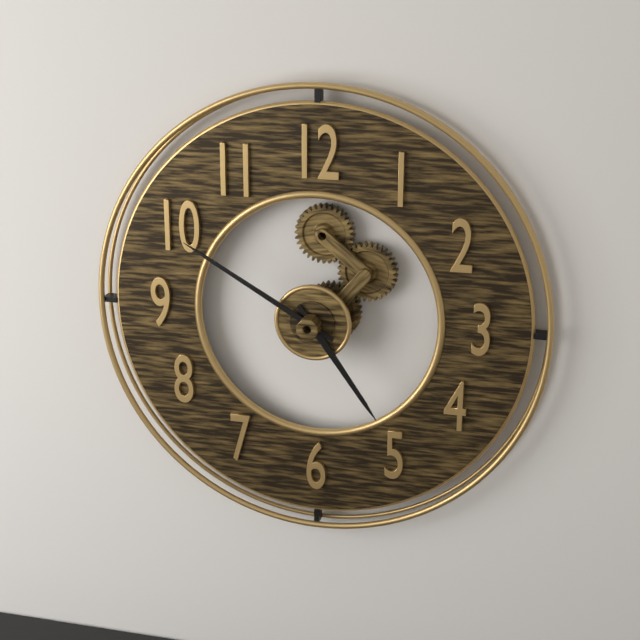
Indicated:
4.50
